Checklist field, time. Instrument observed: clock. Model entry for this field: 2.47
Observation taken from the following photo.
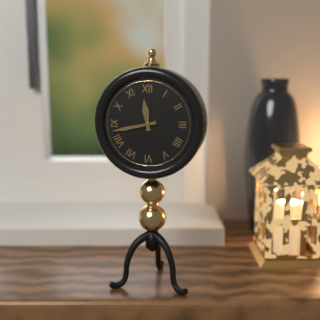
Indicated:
11.43
